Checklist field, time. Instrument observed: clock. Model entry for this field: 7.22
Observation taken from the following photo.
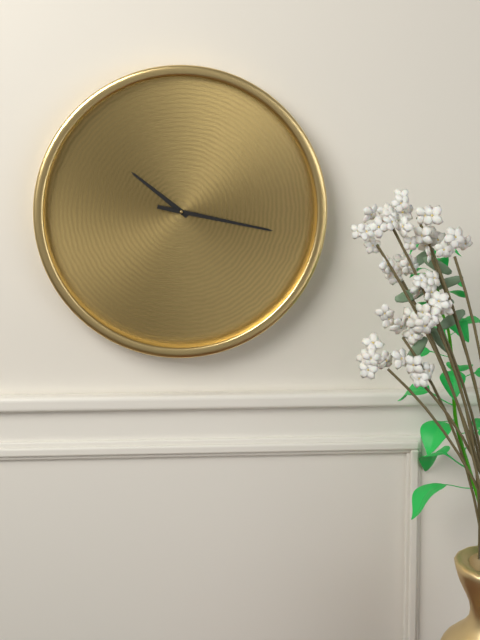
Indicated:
10.17
